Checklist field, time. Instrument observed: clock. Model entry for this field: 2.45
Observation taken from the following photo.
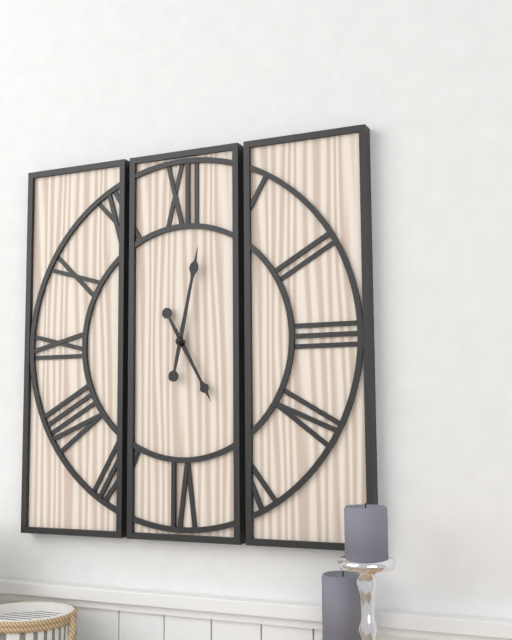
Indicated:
5.02
